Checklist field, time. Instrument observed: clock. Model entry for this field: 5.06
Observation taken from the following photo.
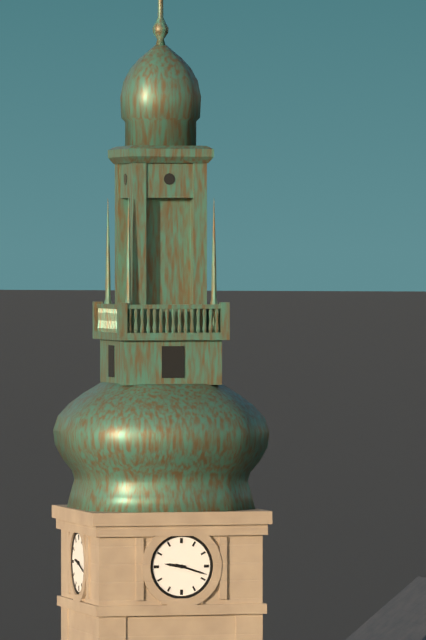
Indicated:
9.18
